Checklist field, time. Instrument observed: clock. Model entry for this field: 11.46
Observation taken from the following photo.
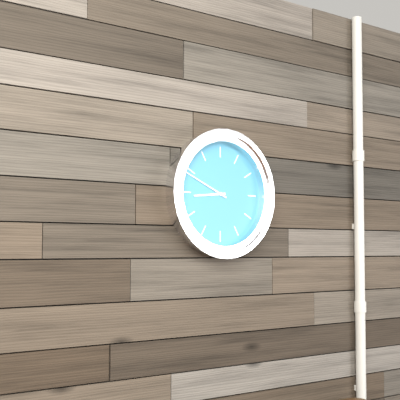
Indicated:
8.49
